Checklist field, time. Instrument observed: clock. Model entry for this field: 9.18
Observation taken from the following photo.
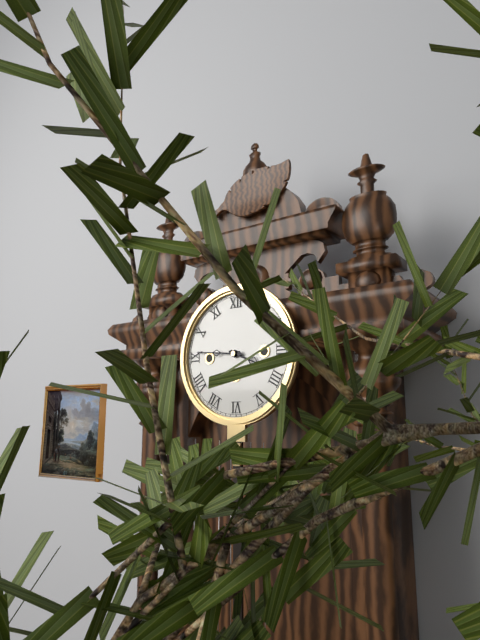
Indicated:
3.46
